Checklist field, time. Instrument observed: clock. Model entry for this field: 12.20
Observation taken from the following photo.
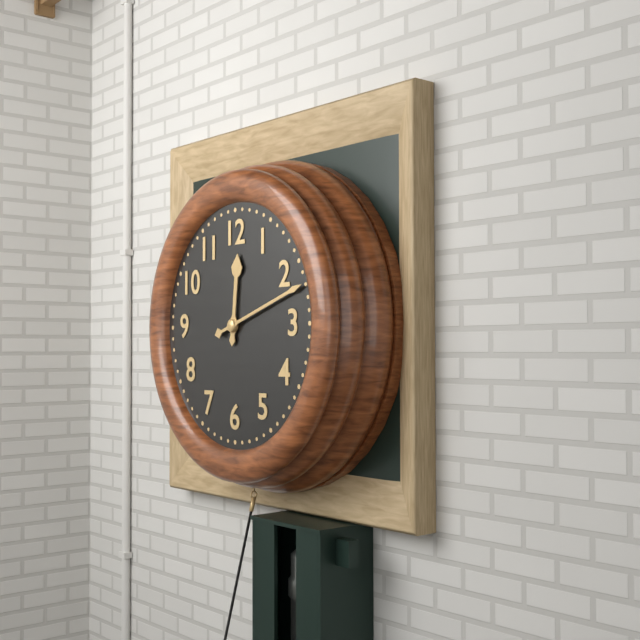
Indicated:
12.12
